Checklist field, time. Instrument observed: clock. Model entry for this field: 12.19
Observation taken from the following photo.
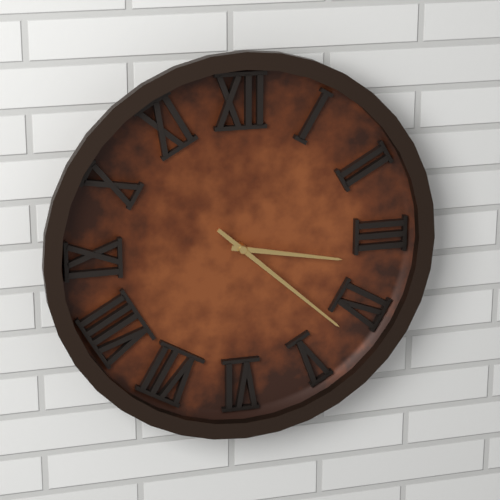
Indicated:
3.22
